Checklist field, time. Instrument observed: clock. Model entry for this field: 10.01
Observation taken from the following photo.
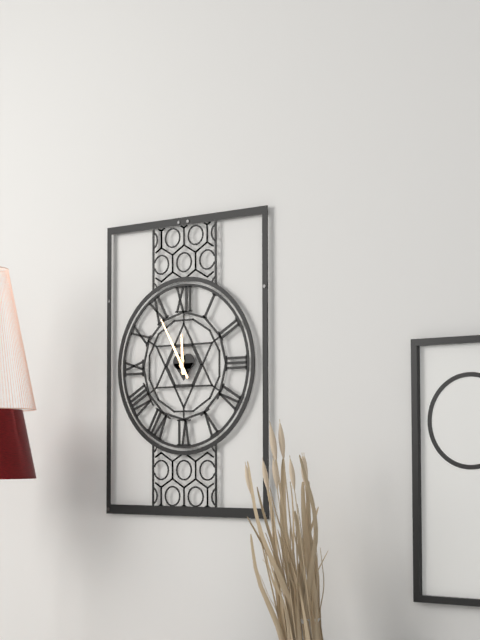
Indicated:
11.55
